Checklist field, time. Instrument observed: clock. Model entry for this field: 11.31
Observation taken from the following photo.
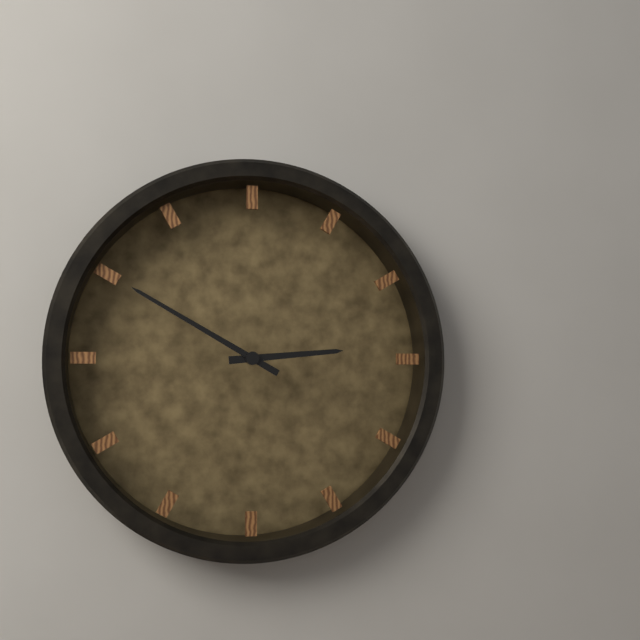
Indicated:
2.50
